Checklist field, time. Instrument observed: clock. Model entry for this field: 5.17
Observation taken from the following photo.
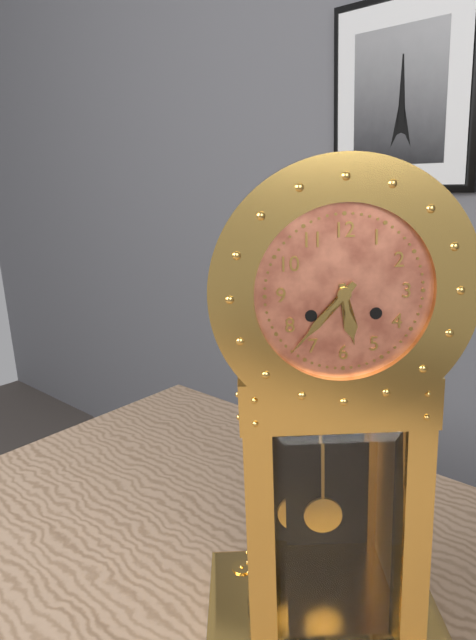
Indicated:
5.37
